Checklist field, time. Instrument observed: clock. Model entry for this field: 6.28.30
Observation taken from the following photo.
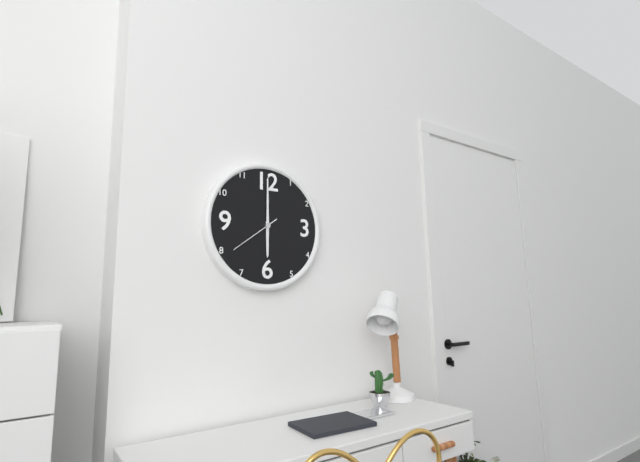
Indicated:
6.00.39
